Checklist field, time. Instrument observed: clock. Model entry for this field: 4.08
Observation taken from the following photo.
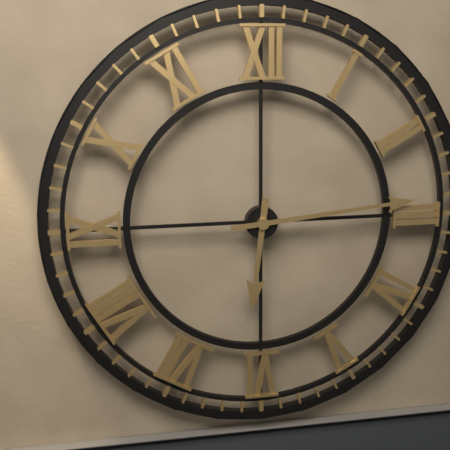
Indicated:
6.14
